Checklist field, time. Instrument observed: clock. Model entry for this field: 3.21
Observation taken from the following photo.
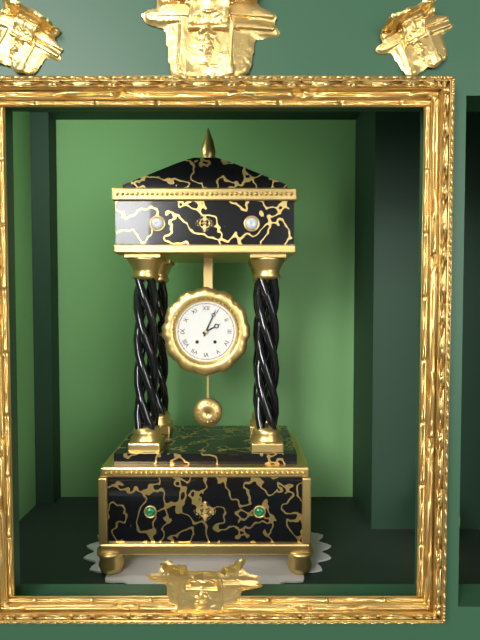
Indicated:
2.04
